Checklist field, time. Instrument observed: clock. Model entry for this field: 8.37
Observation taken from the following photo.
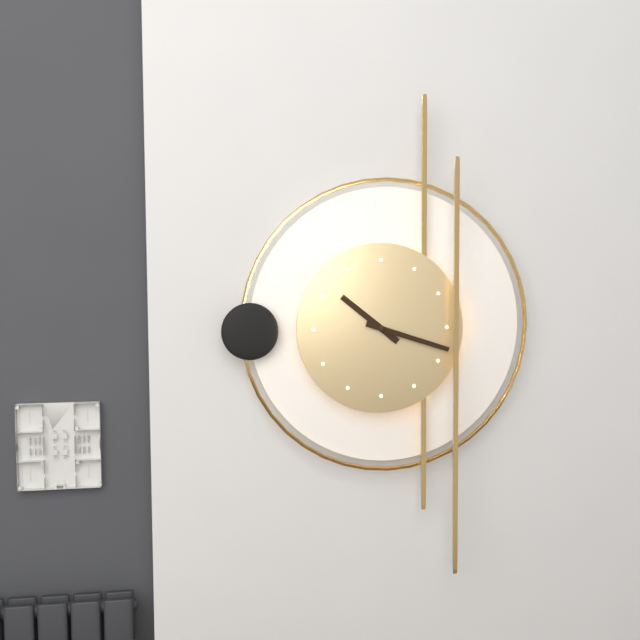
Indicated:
10.18
